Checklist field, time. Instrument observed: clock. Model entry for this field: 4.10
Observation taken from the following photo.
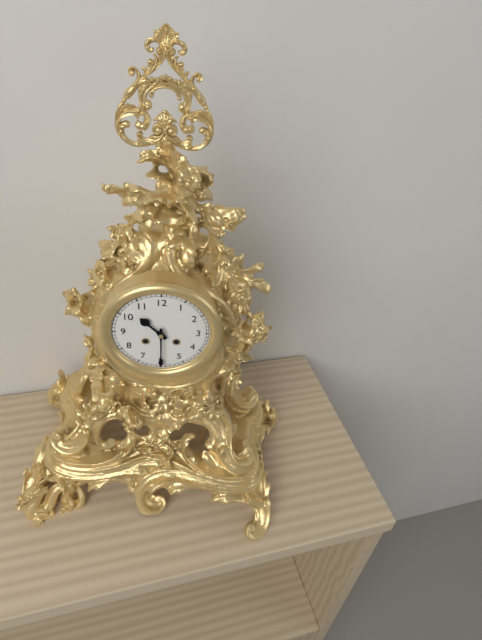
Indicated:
10.30
